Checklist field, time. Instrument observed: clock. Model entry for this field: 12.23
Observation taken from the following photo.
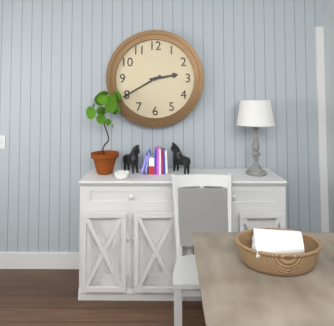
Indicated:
2.40
